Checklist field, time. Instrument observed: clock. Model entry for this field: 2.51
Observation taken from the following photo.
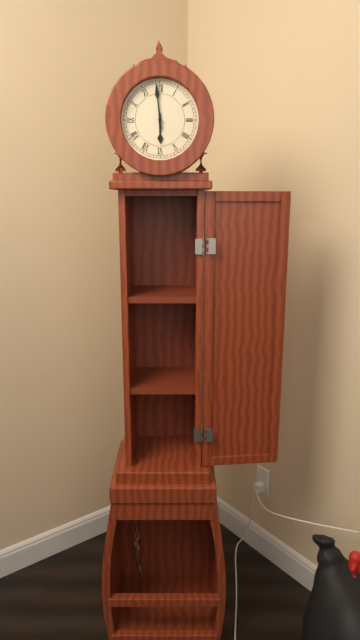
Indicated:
5.59
